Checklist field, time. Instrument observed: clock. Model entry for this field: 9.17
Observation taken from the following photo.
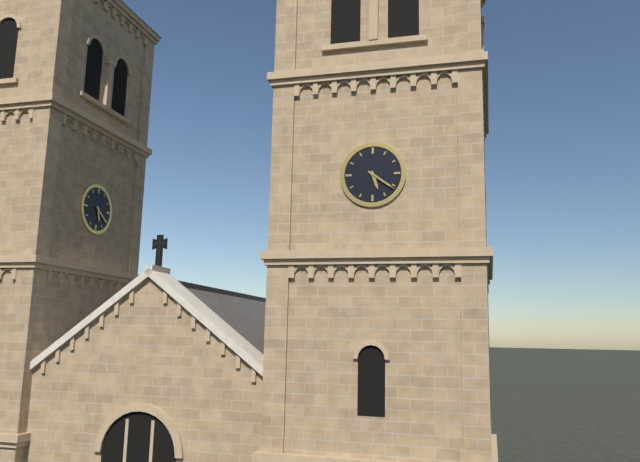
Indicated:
5.21
